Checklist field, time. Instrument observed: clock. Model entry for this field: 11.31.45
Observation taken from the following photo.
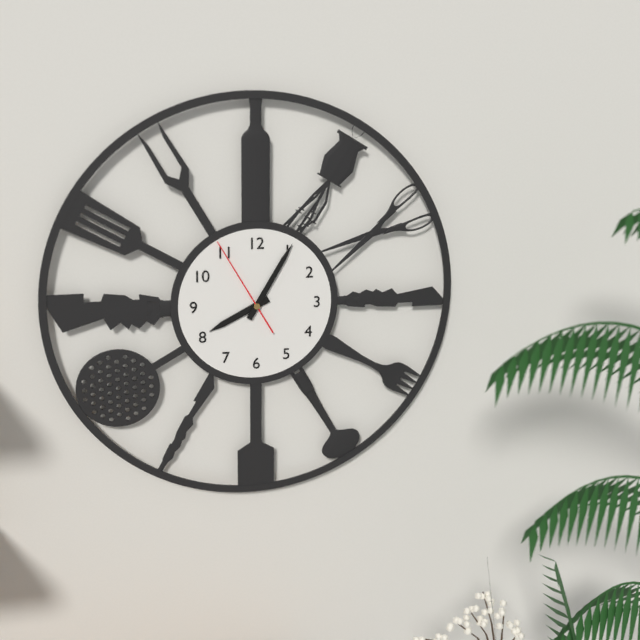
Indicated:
8.05.55
